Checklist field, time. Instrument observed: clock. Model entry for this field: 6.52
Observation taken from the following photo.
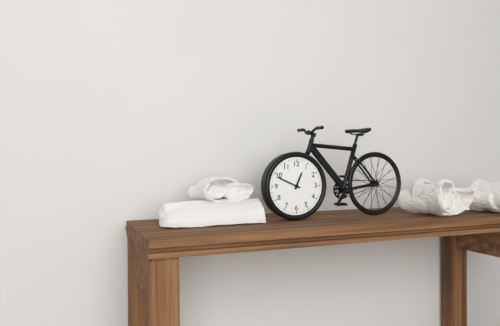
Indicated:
12.49
